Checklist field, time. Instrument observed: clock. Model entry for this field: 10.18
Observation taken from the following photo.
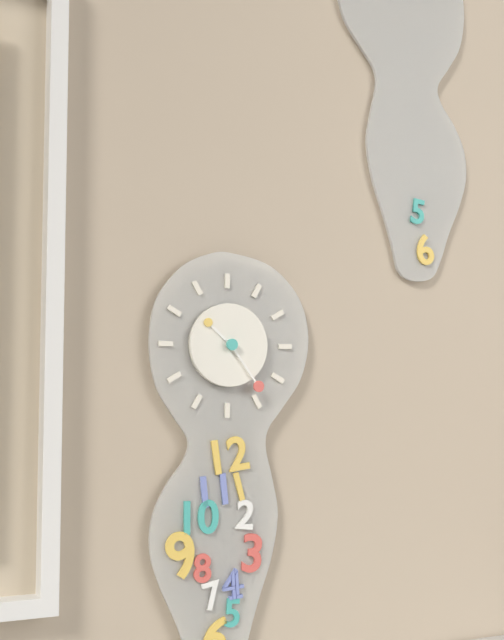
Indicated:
10.24
